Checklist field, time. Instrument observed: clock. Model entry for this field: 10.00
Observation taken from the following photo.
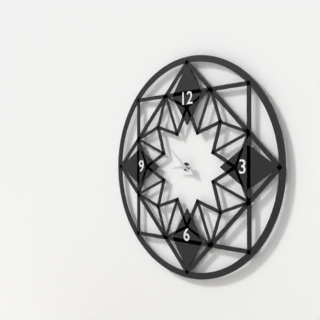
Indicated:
8.52
